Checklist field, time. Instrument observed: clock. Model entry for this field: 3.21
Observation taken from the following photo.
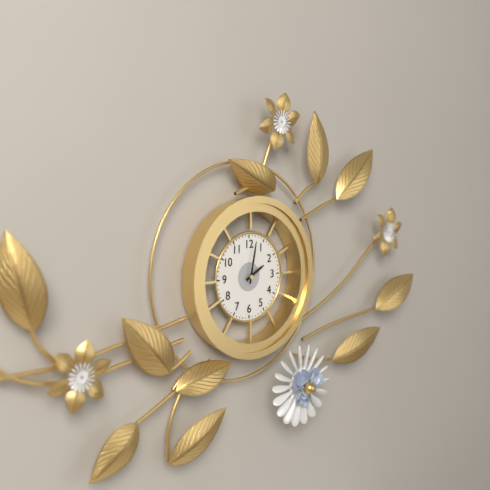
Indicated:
2.02
